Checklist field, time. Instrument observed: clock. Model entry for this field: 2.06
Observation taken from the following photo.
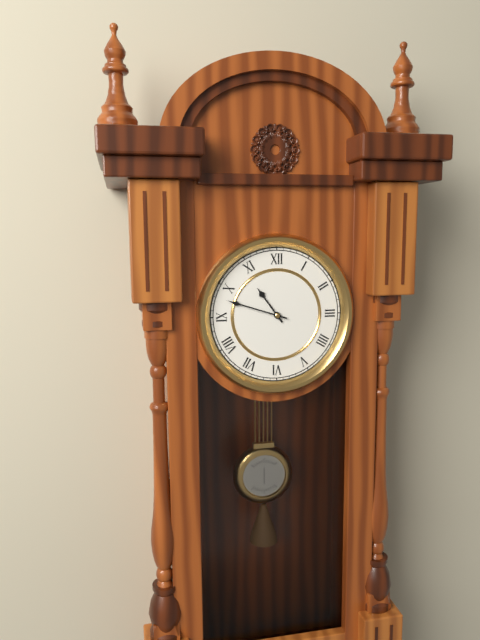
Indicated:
10.48
